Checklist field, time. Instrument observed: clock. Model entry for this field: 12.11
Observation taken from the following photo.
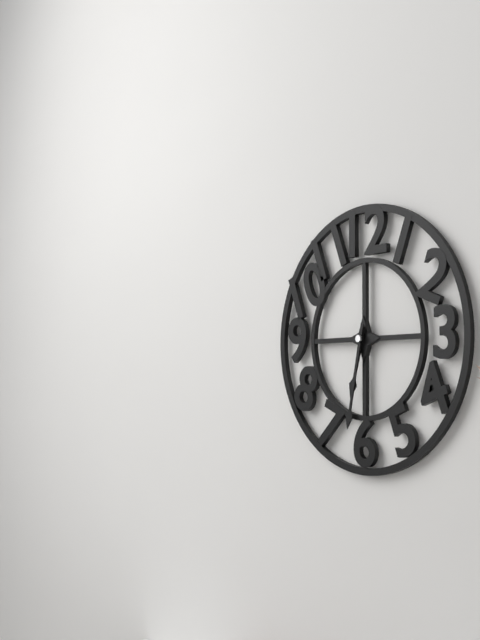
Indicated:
6.32
